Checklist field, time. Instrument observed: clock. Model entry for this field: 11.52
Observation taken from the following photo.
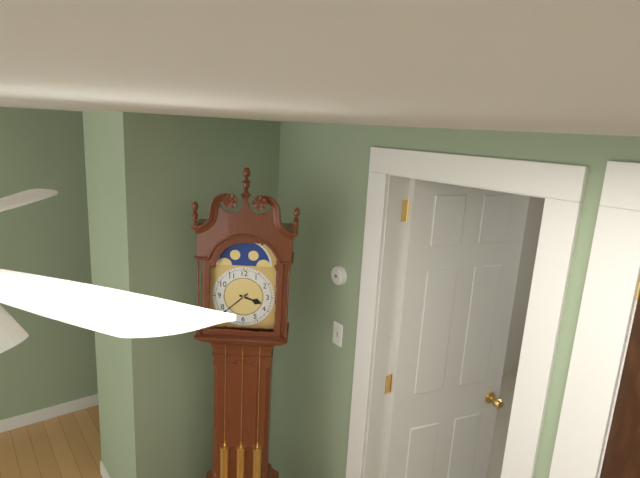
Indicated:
3.38
